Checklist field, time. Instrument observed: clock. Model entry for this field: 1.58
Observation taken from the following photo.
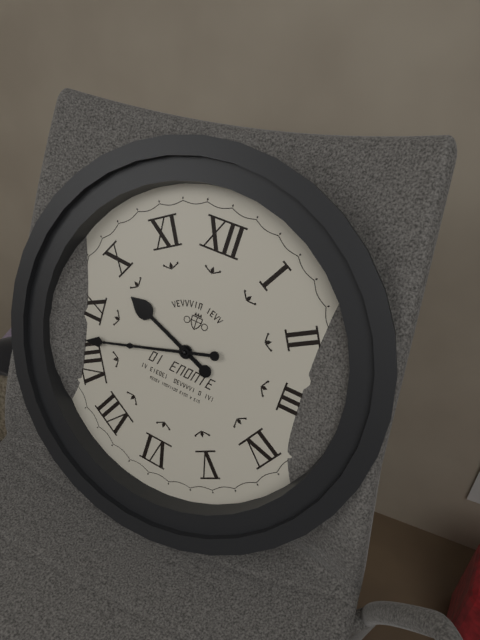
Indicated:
9.42
